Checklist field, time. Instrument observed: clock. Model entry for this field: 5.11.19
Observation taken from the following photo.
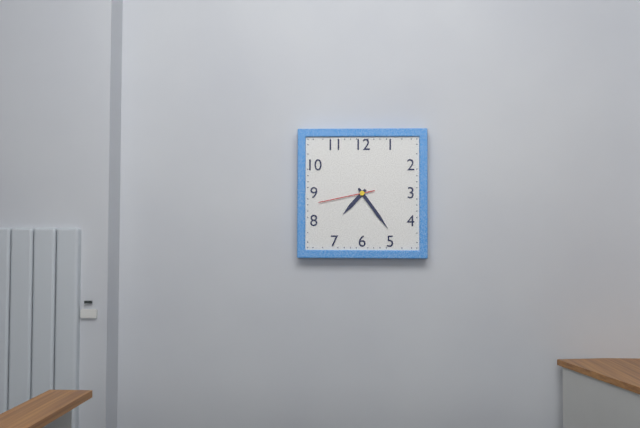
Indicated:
7.24.43
